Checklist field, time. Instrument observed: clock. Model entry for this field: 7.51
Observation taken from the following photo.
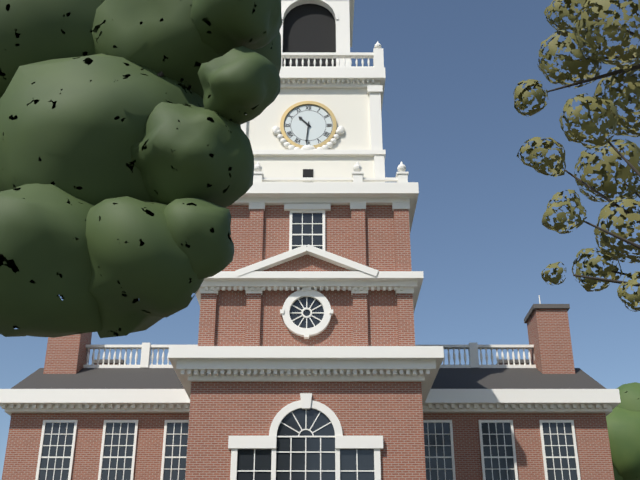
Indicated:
10.31
